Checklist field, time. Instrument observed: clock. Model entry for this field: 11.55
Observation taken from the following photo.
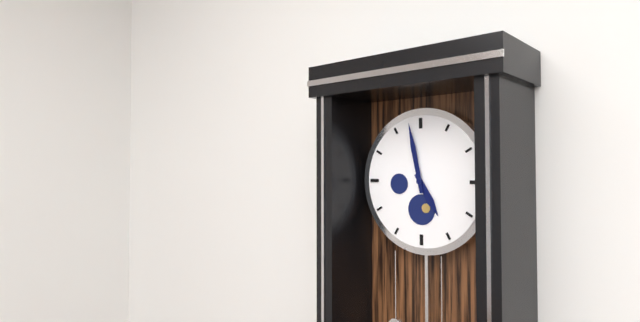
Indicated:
4.58
